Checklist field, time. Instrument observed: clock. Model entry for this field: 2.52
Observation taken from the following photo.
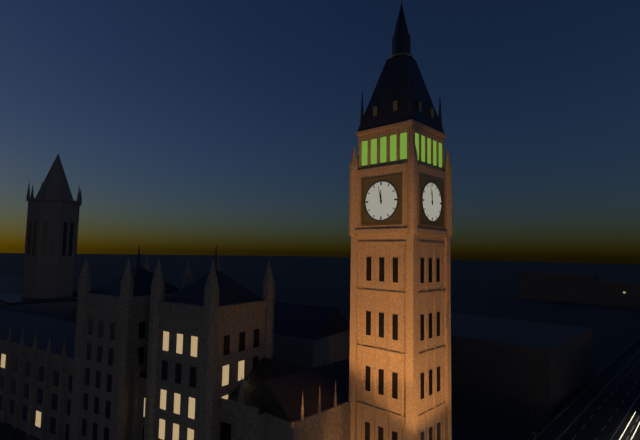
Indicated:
11.58
